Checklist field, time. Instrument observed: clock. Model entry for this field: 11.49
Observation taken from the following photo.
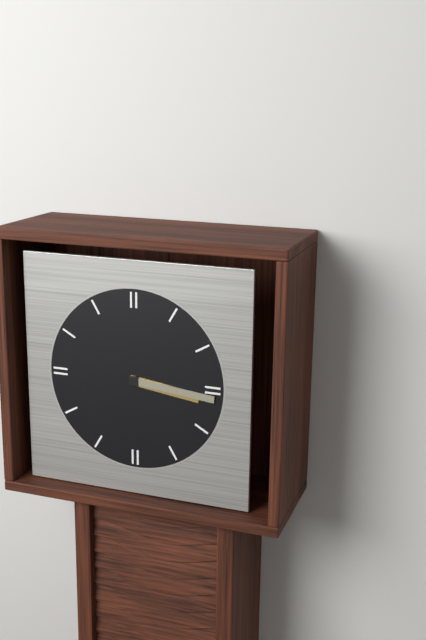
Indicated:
3.16
